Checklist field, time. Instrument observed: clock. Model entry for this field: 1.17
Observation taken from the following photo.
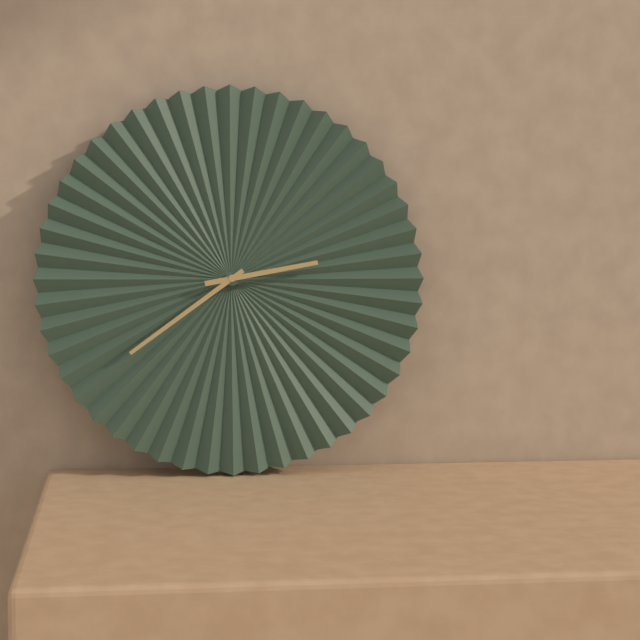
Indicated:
2.39
